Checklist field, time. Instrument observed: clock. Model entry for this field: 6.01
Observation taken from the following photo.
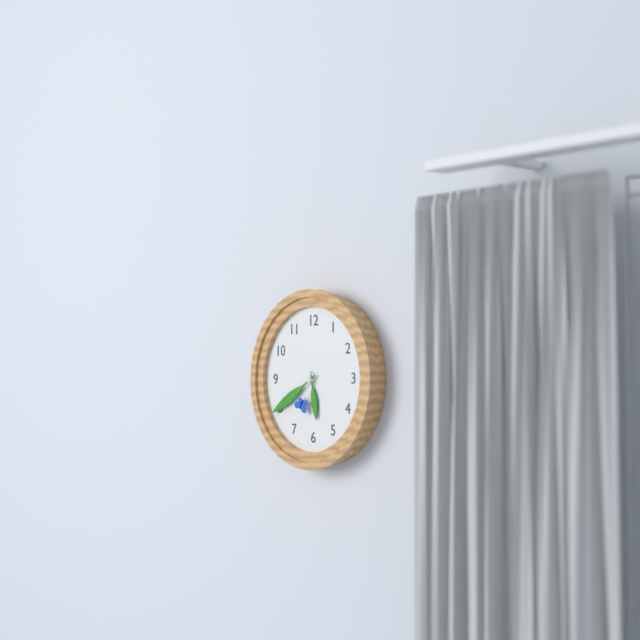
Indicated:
5.40
